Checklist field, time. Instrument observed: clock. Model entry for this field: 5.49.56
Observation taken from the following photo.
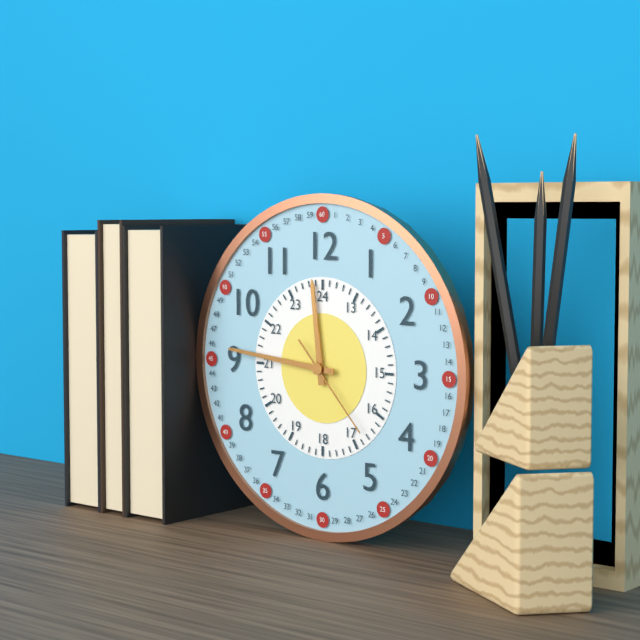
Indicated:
11.46.23
